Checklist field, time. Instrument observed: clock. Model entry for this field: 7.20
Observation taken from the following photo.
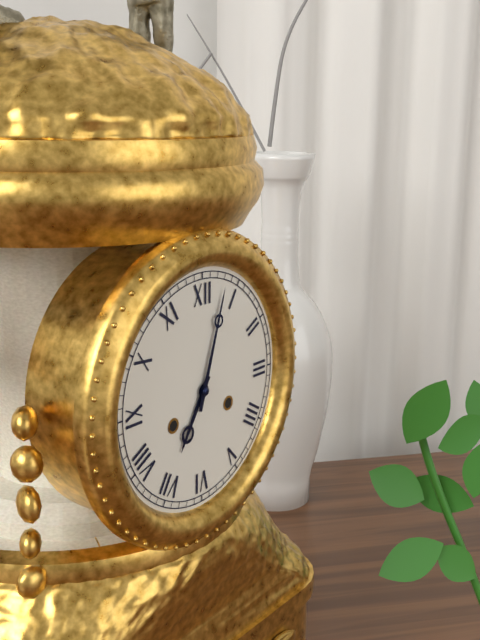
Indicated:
7.03
